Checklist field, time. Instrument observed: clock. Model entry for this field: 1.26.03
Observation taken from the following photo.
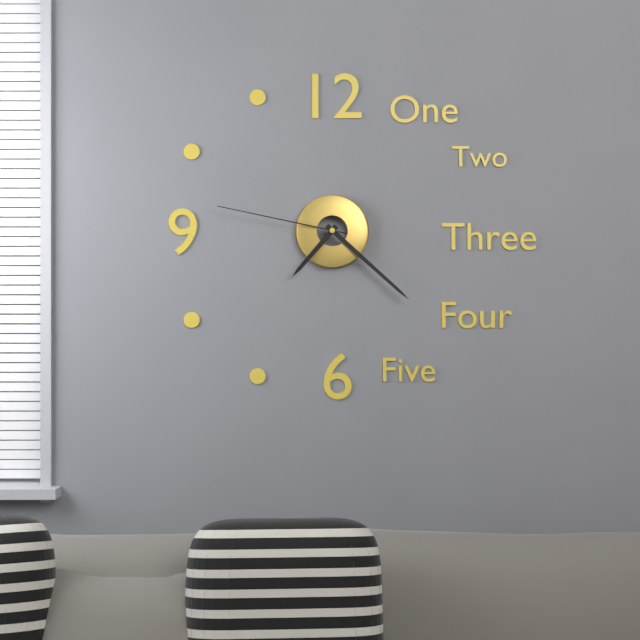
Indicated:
7.22.47
